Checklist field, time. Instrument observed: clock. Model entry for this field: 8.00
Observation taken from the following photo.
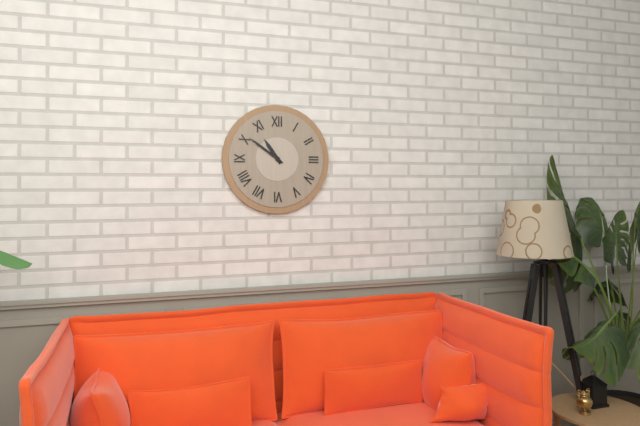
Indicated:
10.51
